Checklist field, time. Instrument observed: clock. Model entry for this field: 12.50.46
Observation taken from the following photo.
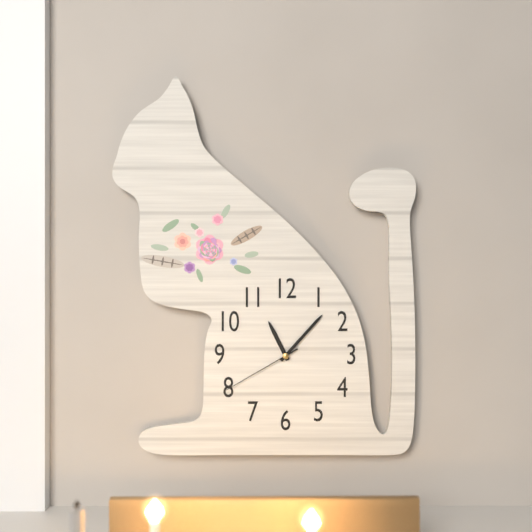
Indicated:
11.07.40
